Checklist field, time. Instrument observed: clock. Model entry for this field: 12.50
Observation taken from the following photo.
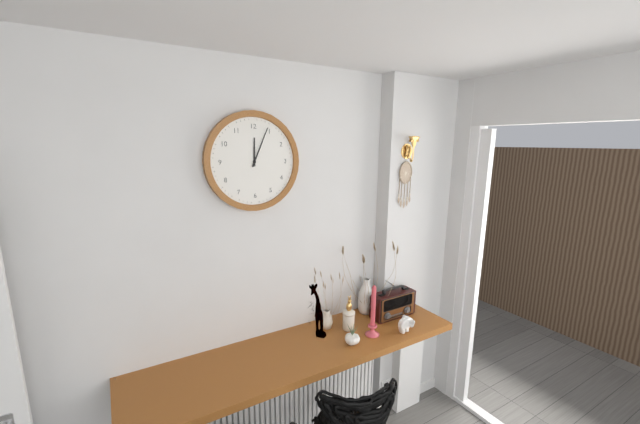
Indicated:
12.04
